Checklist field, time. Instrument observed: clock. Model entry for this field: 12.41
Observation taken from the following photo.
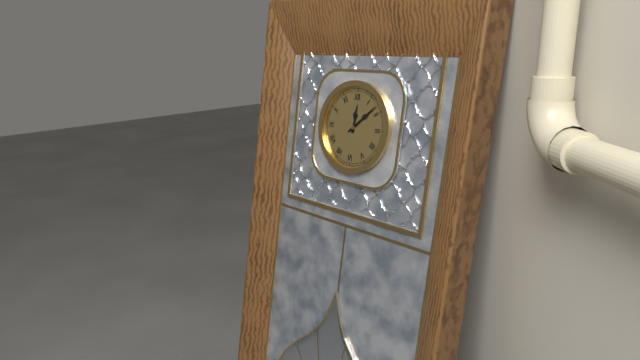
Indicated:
12.08
